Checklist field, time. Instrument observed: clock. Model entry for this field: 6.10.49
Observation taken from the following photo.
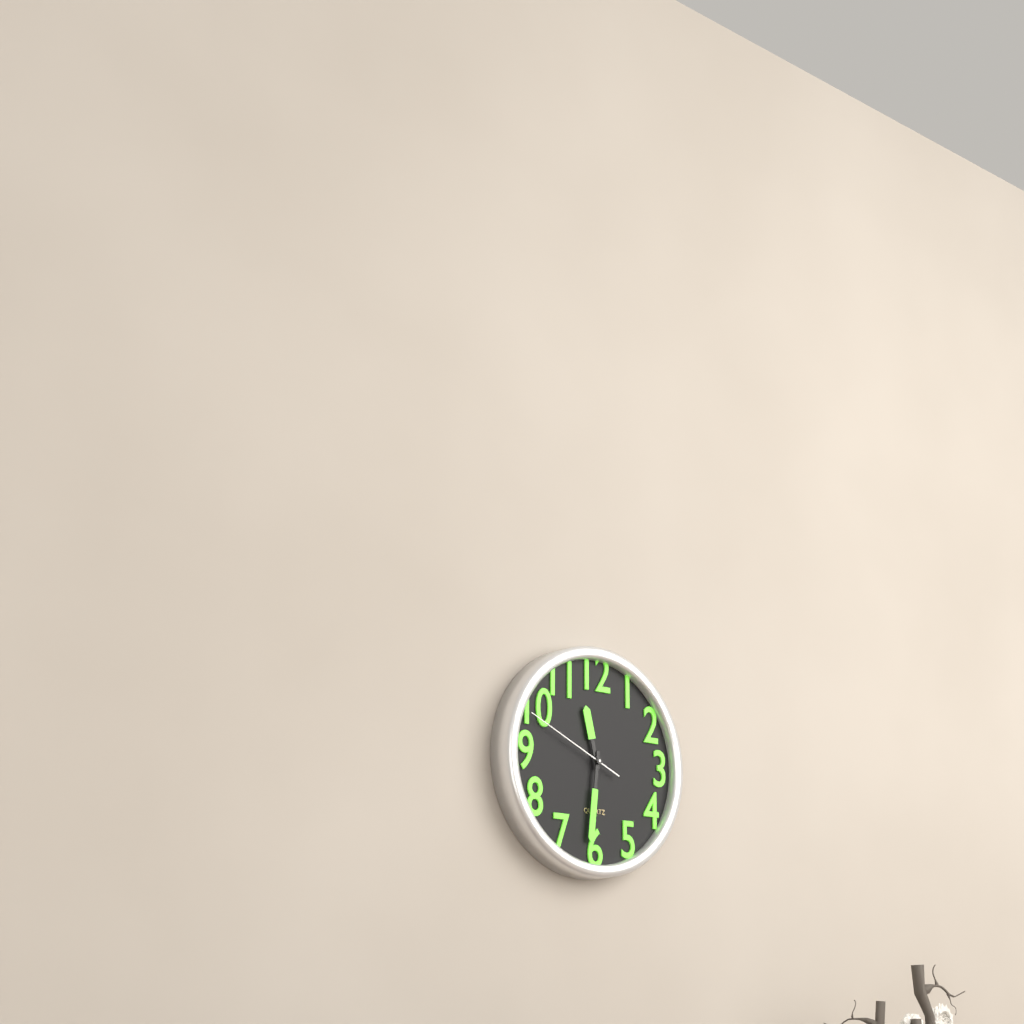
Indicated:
11.31.49
